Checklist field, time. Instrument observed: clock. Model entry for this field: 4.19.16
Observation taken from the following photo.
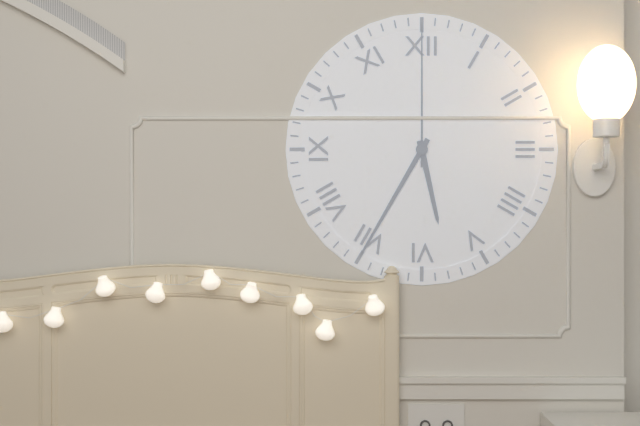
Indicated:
5.35.00
